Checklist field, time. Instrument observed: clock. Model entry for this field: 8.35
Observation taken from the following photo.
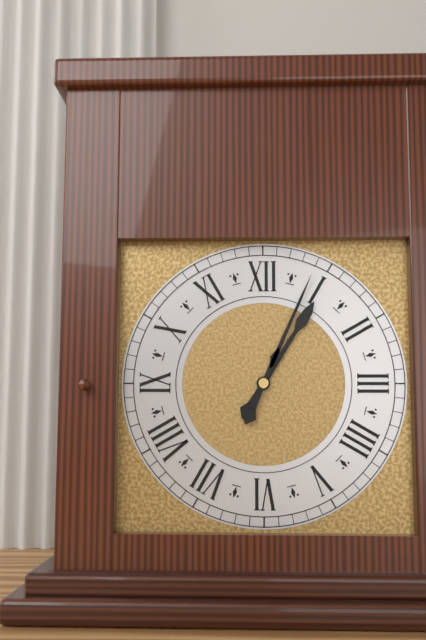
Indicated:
1.04
